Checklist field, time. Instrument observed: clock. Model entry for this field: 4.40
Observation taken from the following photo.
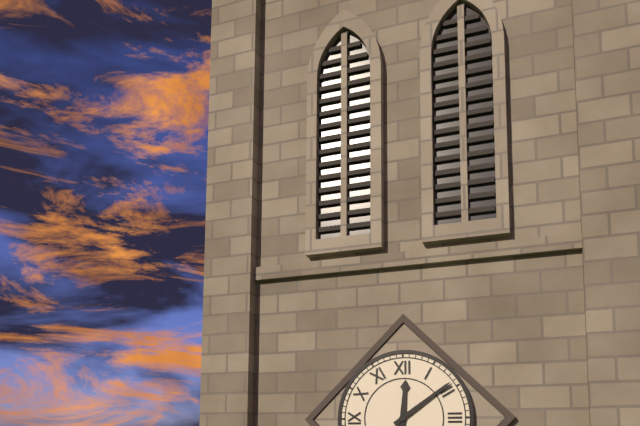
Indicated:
12.09
